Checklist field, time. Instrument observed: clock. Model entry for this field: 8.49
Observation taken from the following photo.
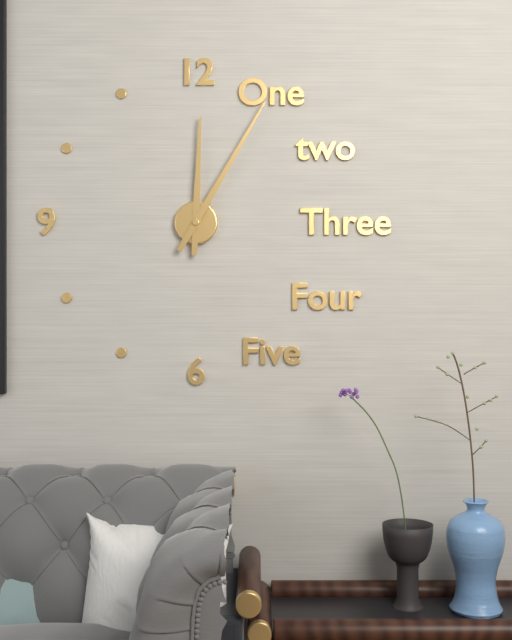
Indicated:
12.05
